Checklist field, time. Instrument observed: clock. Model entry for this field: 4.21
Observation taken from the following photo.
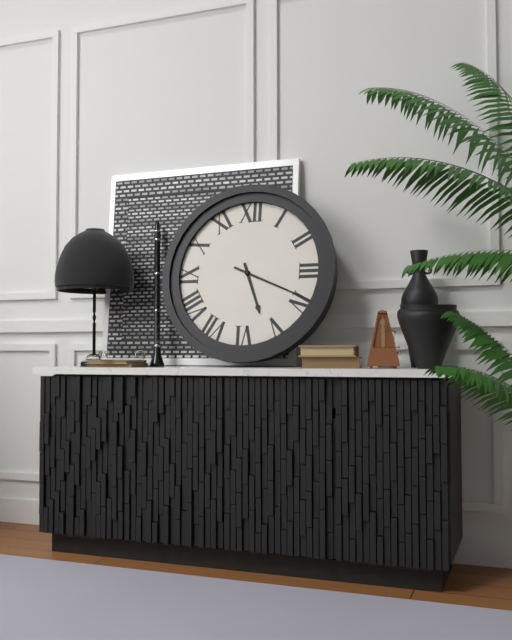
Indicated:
5.19
